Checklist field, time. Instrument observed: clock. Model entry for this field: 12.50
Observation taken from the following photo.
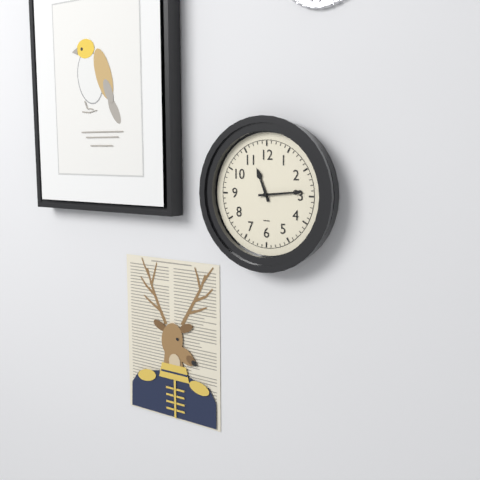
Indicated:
11.14
